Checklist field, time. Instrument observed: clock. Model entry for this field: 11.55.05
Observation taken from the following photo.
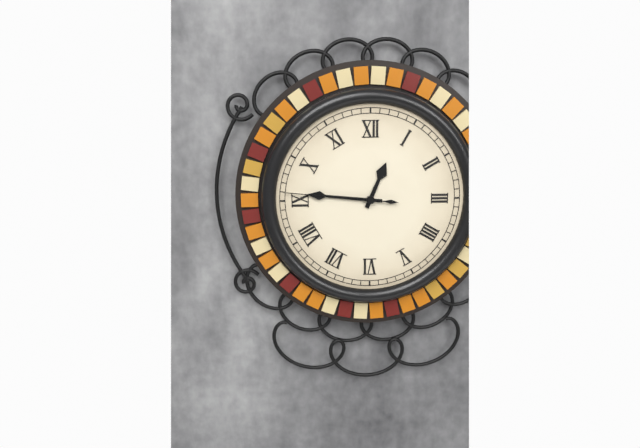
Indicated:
12.46.46
